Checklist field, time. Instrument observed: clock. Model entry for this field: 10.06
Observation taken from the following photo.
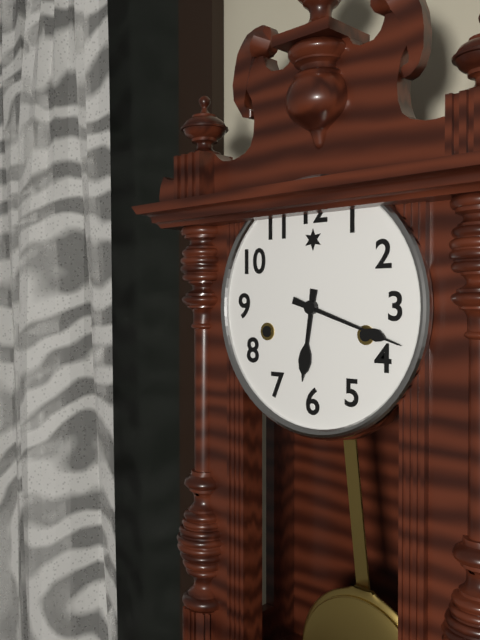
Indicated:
6.18
